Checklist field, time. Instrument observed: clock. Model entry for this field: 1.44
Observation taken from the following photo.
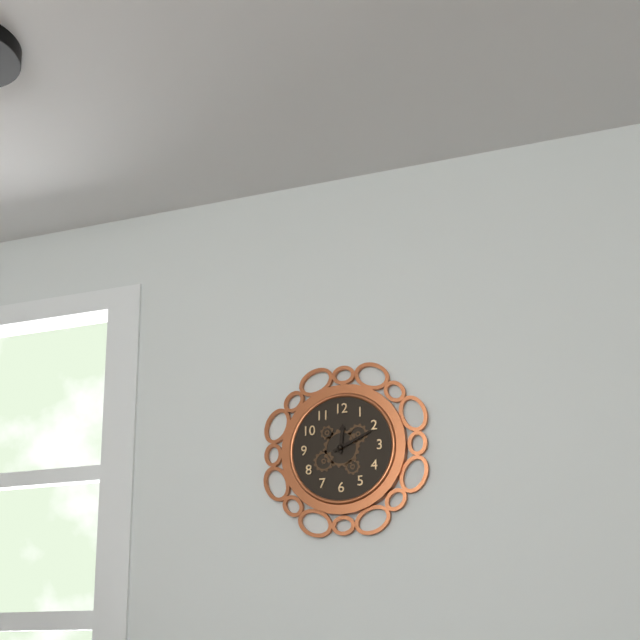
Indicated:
12.11
